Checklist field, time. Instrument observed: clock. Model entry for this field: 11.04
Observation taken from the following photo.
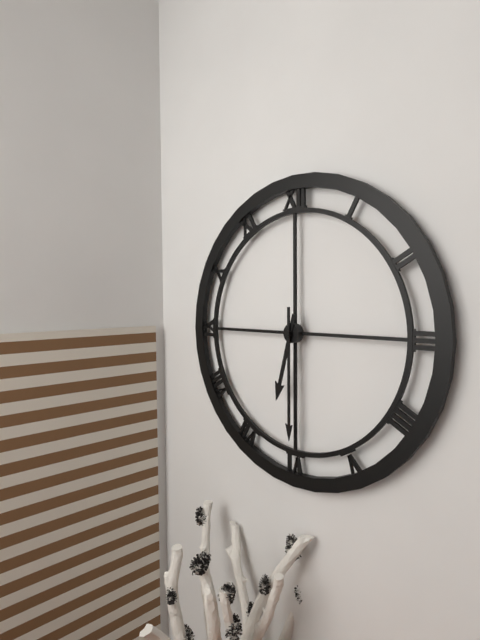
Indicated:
6.30
